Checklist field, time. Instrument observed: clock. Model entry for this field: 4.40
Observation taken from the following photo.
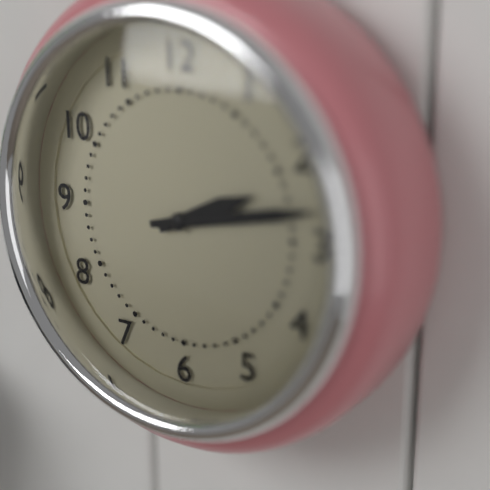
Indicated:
2.13
